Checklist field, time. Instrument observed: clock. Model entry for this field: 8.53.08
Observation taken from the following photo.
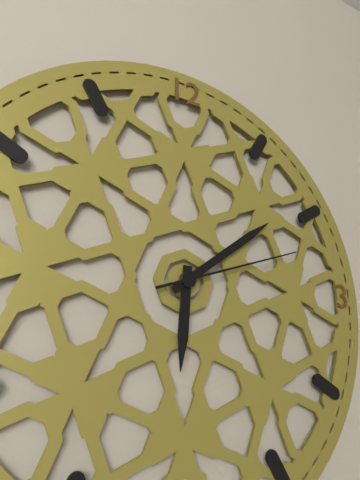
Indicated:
6.09.12
